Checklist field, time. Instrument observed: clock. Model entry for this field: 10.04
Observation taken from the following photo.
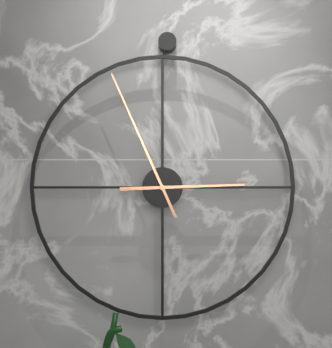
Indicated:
2.56
